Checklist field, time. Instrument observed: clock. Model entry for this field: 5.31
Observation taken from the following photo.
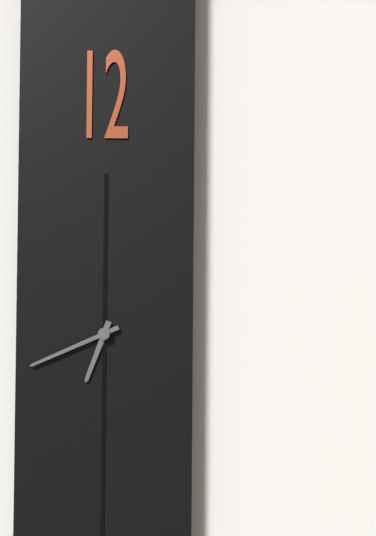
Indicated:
6.41
